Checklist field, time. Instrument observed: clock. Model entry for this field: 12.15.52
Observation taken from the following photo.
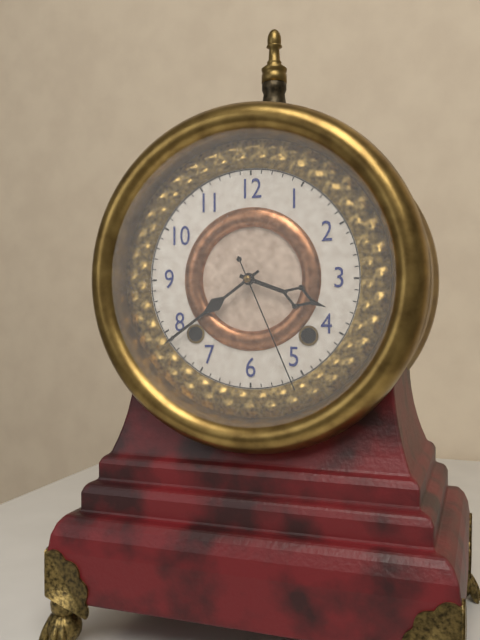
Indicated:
3.39.26
